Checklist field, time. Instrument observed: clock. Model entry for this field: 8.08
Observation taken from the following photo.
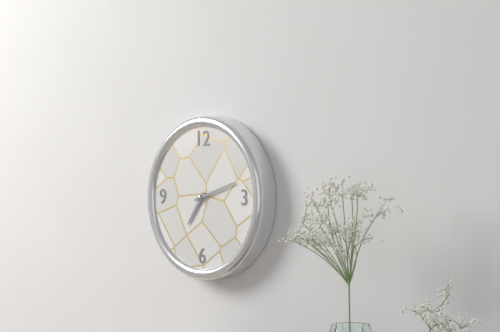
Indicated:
7.12
